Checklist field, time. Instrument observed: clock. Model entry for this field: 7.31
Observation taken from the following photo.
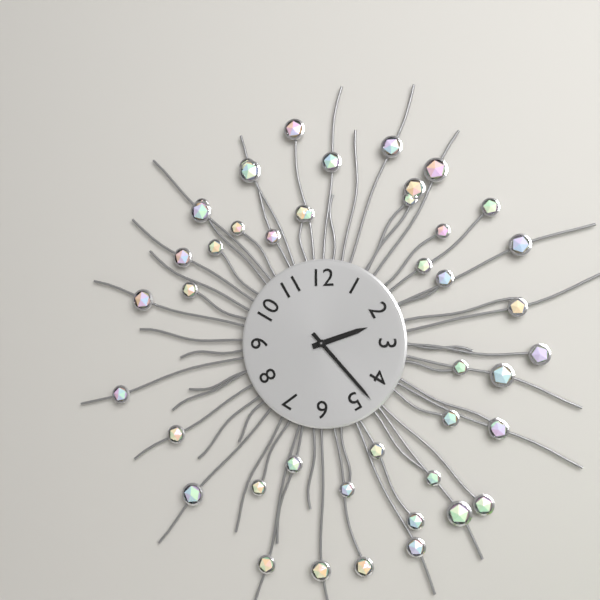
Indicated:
2.23
